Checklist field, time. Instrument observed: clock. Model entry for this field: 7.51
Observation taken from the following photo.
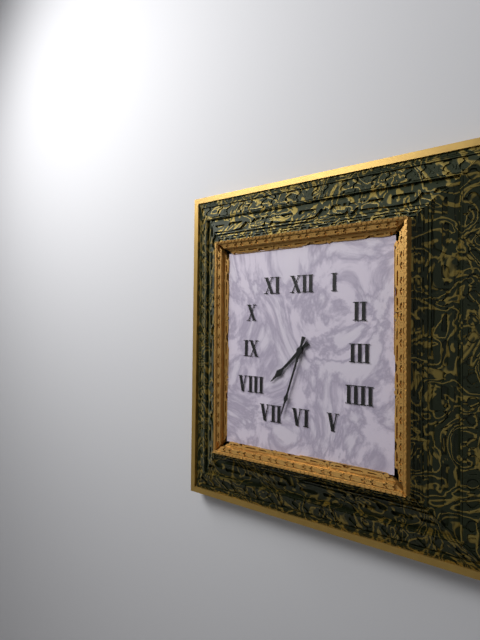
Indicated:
7.33
